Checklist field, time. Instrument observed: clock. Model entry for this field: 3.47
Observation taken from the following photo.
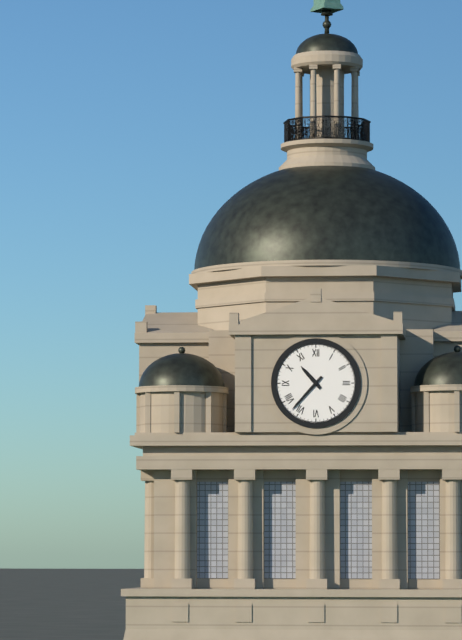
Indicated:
10.37
